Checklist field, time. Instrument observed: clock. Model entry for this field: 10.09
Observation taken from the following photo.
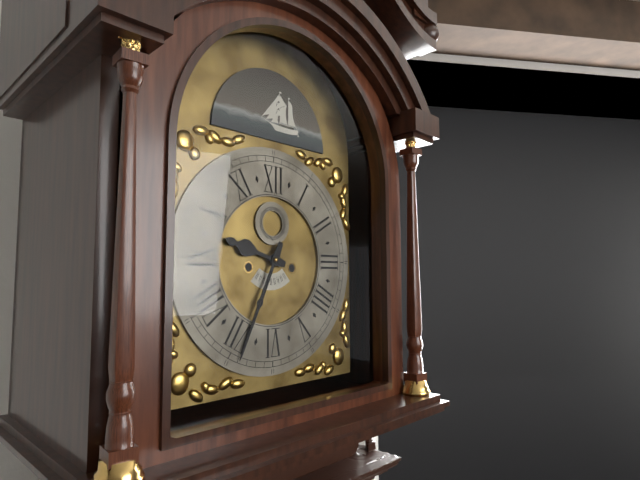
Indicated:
9.34
